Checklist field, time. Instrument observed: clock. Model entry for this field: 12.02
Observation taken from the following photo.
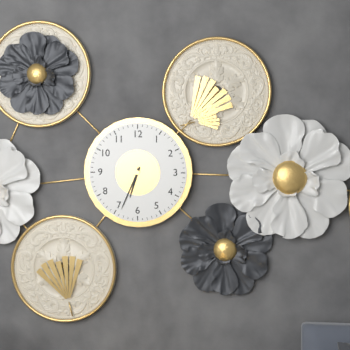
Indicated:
6.34
